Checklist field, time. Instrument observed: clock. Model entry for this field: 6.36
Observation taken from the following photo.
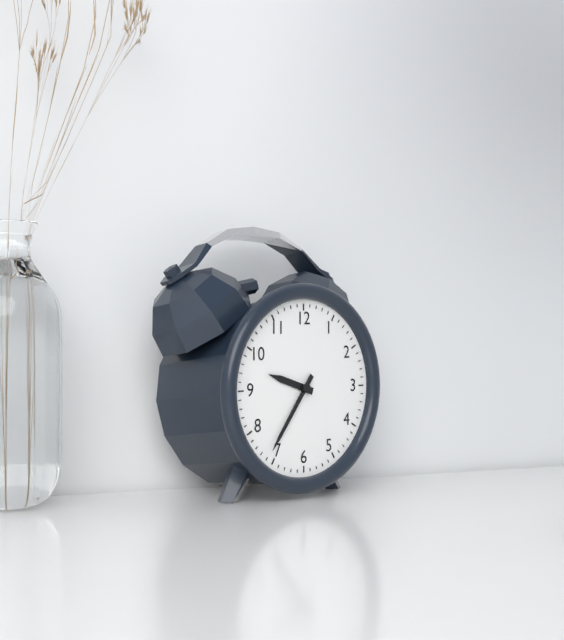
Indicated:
9.36
